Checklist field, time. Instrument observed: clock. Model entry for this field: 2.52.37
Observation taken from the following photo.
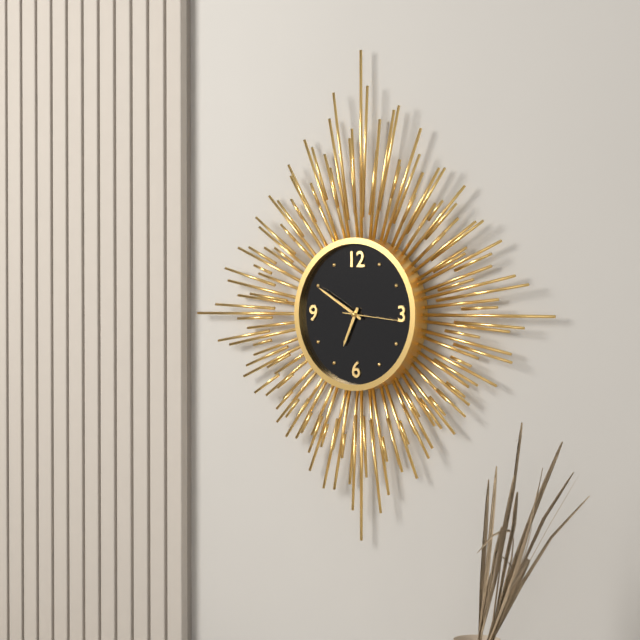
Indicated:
6.50.16
